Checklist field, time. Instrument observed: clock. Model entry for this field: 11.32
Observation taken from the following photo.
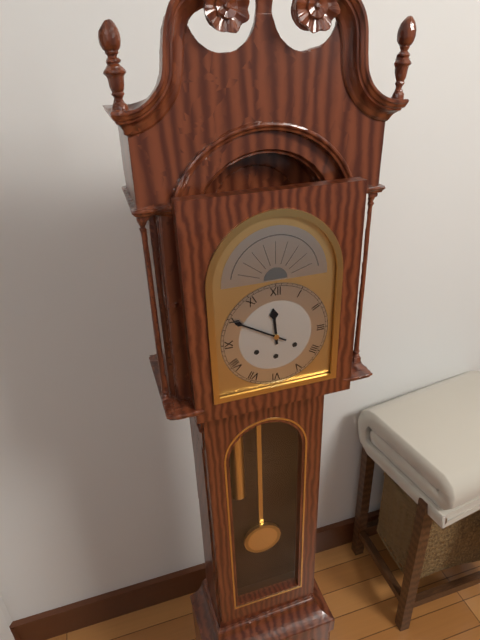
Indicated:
11.50
